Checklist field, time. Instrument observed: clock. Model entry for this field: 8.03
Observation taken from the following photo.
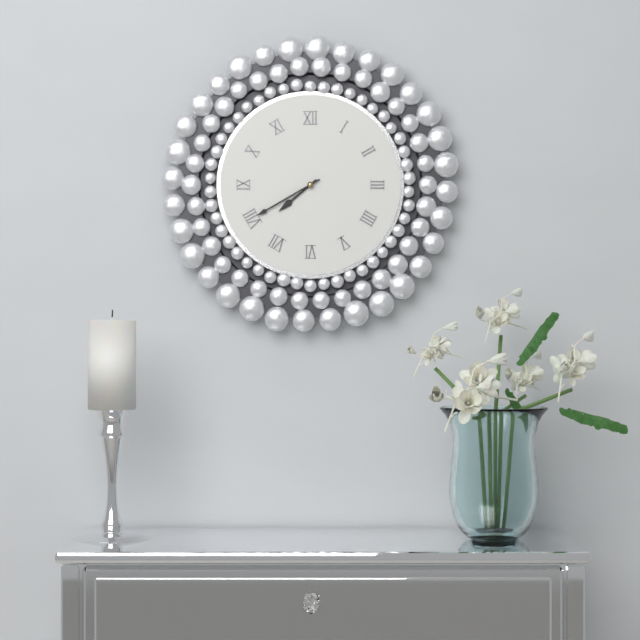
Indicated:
7.40
